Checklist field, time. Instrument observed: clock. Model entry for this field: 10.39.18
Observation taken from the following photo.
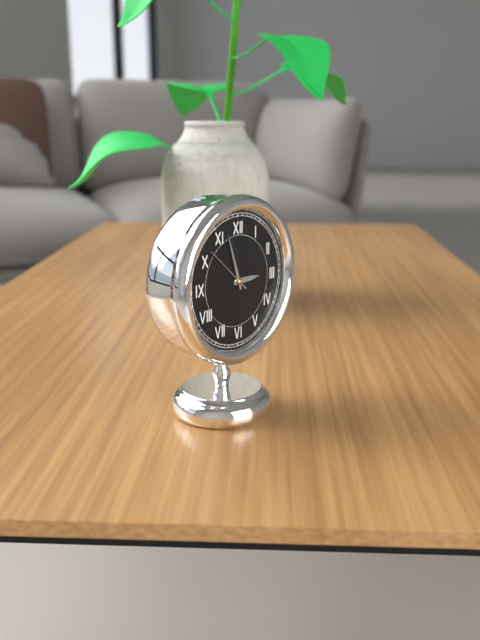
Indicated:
2.57.52
